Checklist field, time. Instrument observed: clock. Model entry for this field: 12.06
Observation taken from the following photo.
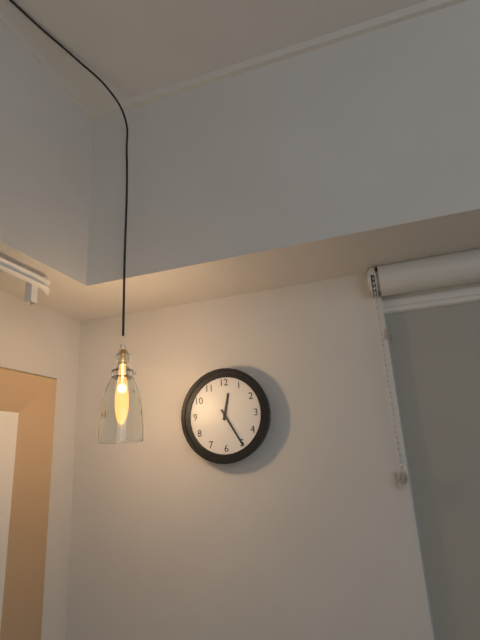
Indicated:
12.25
